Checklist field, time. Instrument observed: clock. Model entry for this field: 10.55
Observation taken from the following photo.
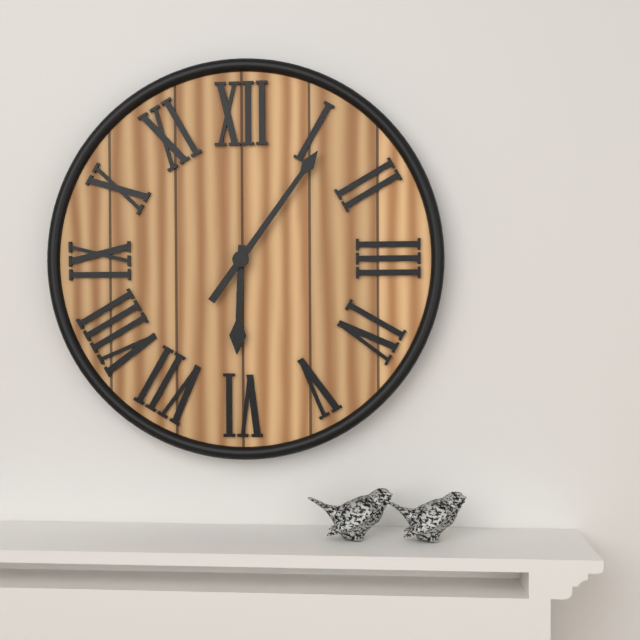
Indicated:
6.06
